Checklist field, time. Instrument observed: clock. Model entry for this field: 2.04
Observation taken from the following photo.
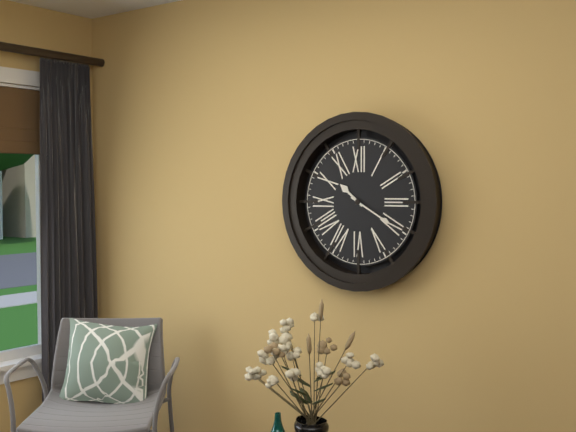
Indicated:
10.20
